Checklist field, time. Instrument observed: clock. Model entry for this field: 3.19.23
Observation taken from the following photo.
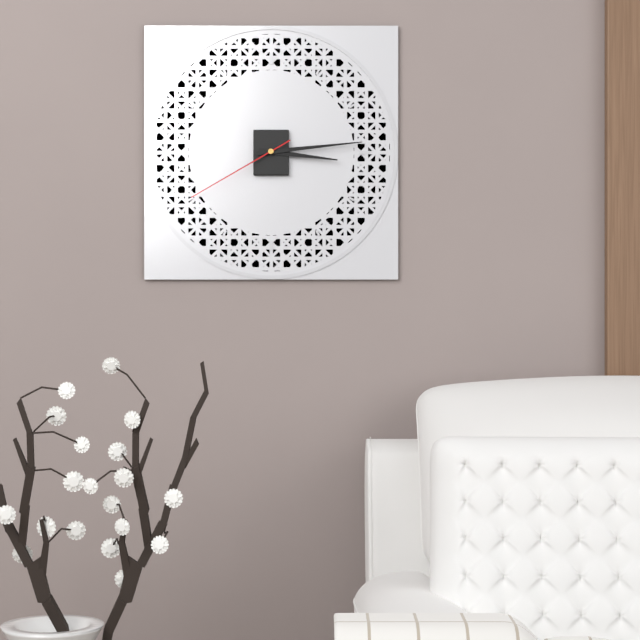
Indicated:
3.14.40
